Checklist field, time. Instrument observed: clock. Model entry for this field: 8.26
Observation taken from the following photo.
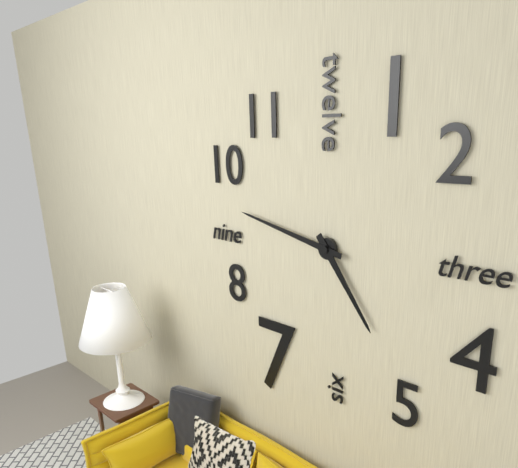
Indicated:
4.47
